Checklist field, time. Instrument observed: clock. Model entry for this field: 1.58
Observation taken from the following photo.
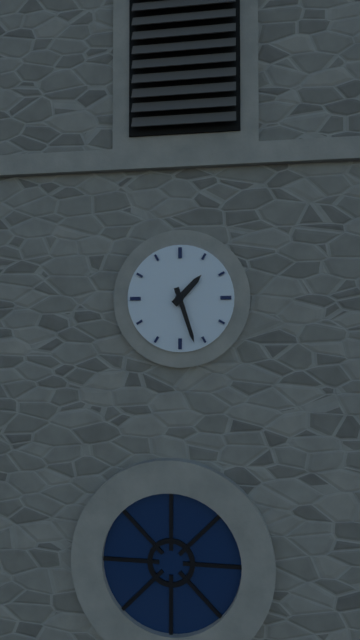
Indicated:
1.27
